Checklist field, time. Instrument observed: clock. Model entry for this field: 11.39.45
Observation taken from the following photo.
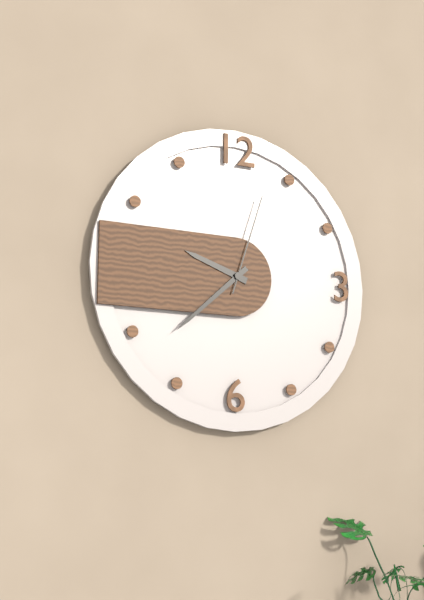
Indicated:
9.38.03
